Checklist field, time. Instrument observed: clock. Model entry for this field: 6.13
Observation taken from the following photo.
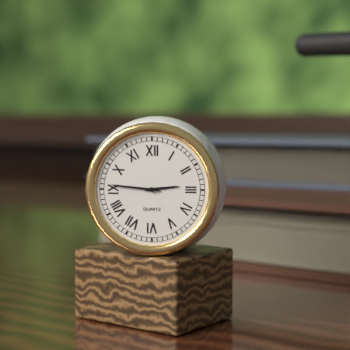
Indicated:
2.46
